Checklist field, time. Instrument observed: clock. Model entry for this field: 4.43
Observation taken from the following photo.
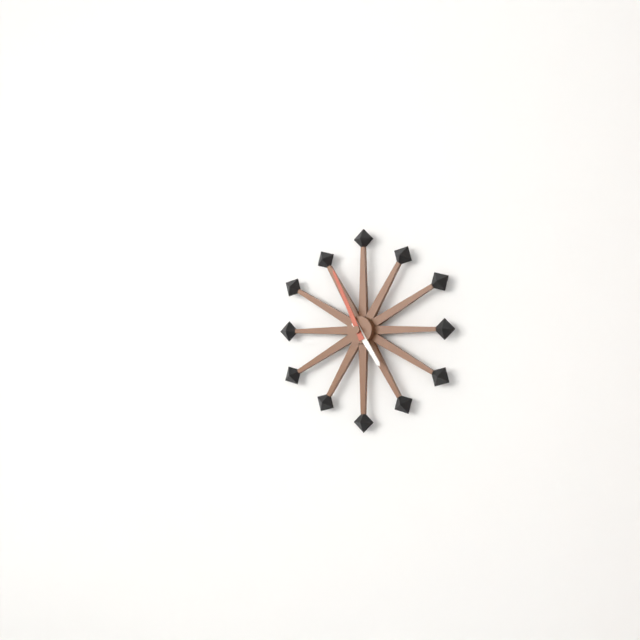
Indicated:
4.56
